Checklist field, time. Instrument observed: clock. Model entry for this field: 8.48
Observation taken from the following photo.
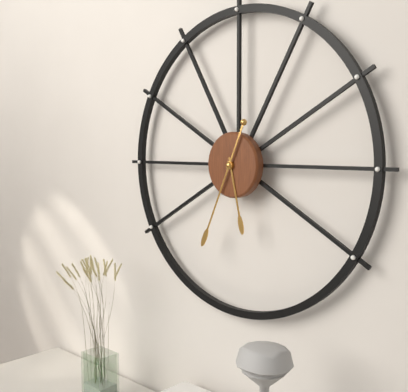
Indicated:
5.34
